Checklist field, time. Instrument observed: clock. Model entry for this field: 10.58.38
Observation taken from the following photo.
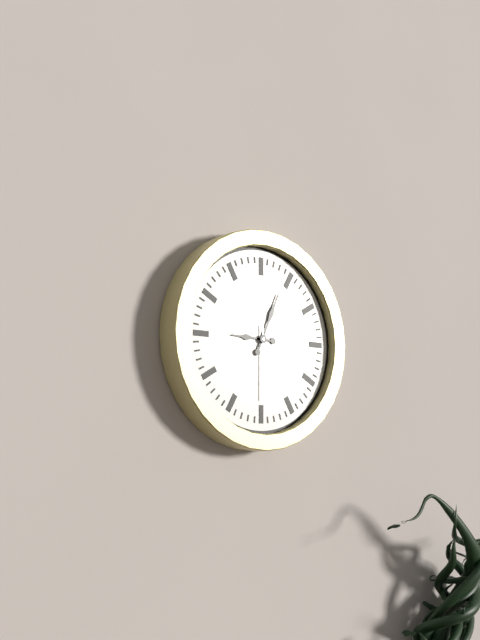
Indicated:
9.04.30
